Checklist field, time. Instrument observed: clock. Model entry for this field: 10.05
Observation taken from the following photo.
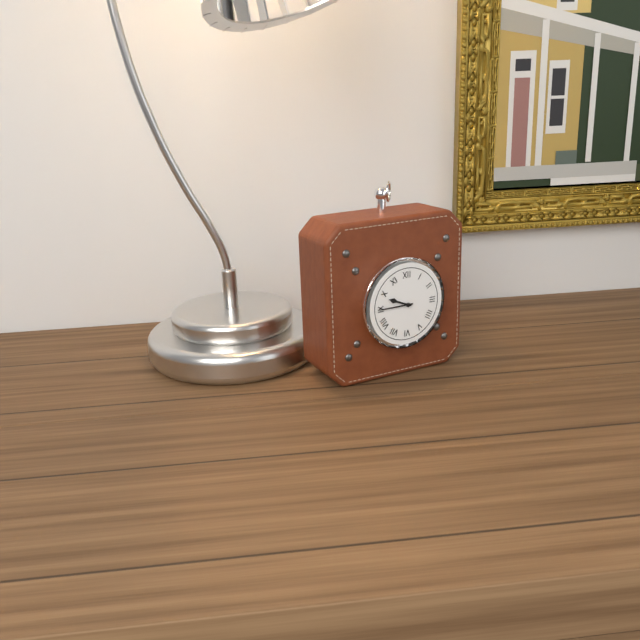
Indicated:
9.45
